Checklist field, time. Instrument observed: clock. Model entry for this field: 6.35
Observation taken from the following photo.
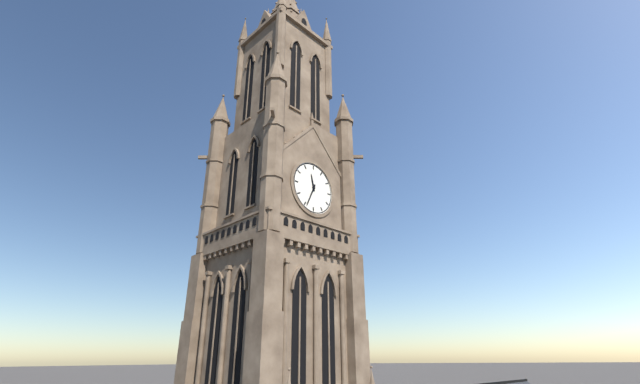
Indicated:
11.34
